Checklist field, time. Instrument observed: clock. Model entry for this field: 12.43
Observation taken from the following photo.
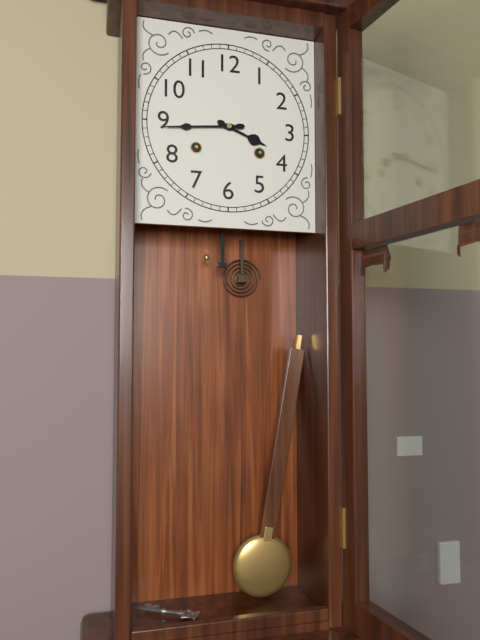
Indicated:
3.44
